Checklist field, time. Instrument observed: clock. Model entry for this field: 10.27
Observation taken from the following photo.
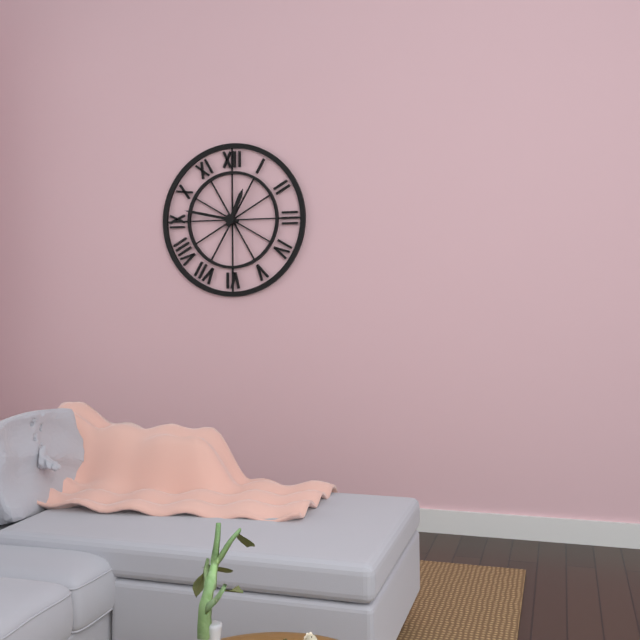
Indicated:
12.47
